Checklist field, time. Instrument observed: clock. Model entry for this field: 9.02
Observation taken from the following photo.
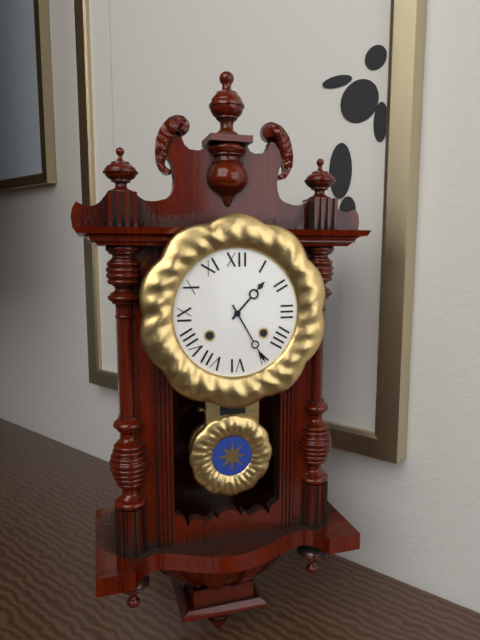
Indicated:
1.25
